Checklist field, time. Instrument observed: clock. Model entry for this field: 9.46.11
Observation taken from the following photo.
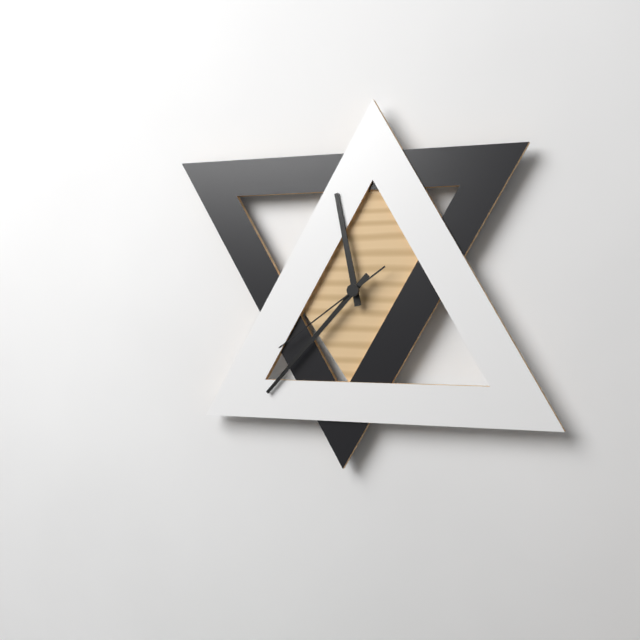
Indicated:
11.37.39
